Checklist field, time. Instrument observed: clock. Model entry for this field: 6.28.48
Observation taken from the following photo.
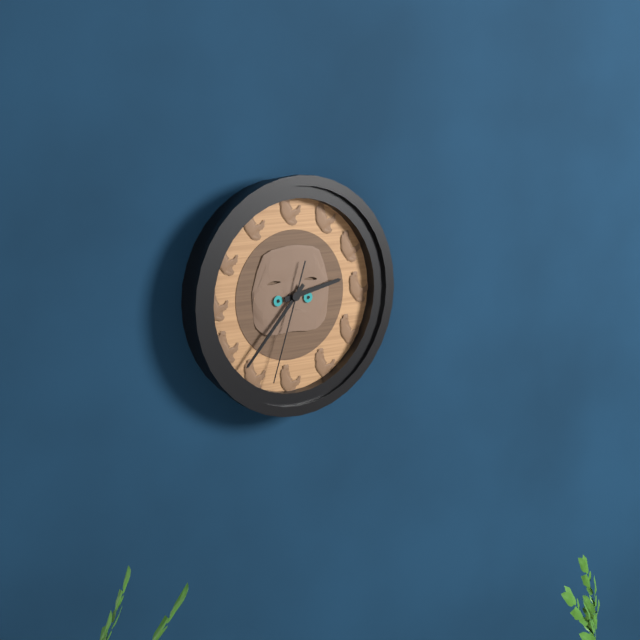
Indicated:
2.37.33
